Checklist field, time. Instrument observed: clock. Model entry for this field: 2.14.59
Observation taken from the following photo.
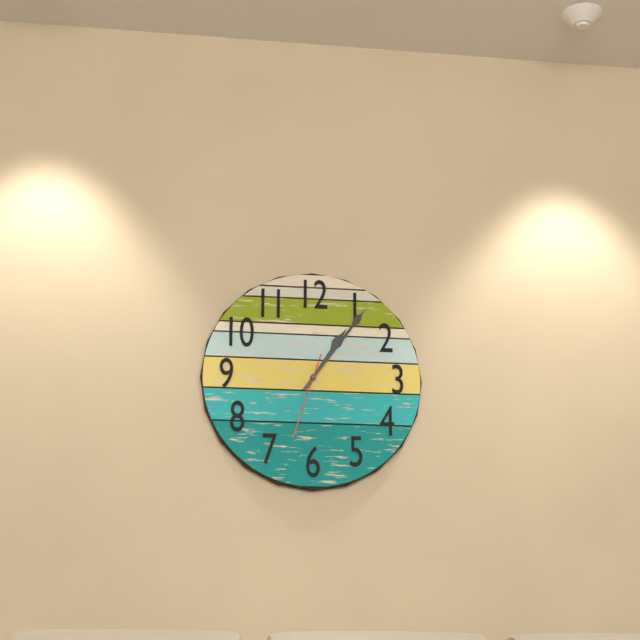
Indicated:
1.06.33
